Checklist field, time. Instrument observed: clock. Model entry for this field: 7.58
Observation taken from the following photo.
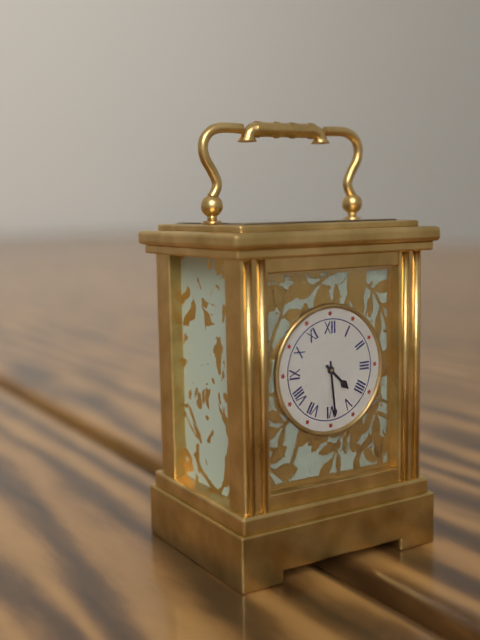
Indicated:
4.29
